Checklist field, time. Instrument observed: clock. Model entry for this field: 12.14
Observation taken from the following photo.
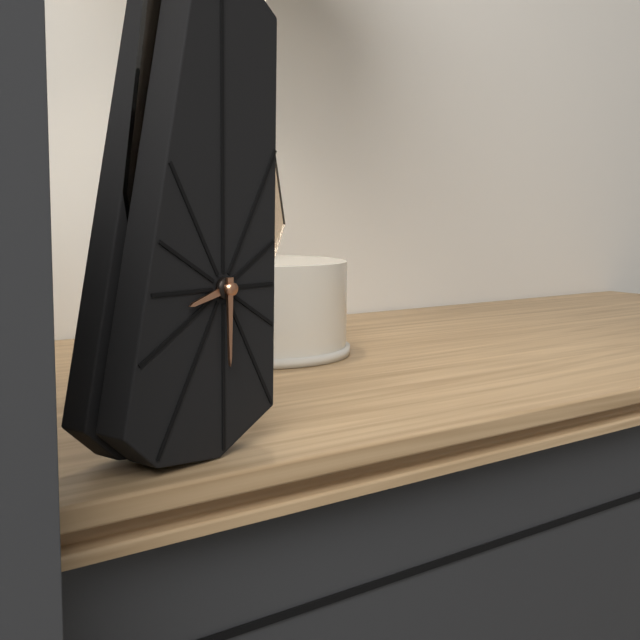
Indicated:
8.30
